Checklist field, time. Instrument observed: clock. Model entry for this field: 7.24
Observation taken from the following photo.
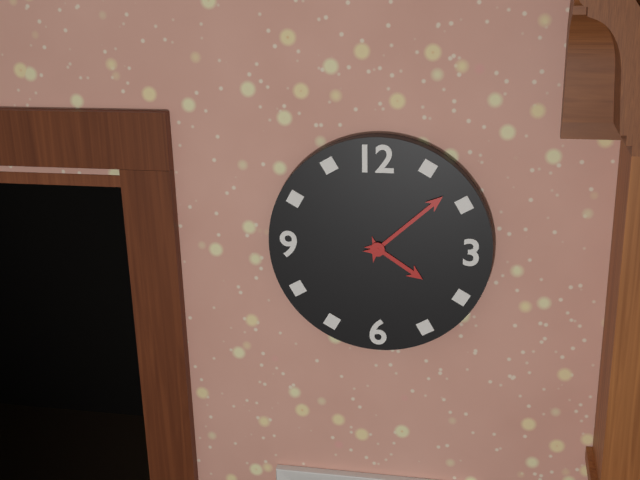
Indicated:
4.08
